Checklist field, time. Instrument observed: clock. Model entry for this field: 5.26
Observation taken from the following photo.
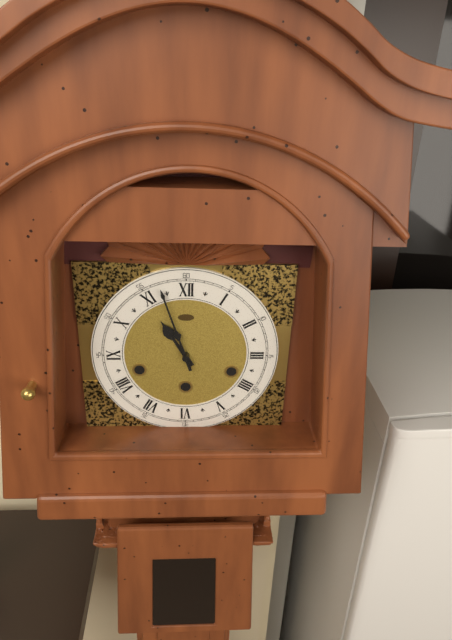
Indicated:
10.57
